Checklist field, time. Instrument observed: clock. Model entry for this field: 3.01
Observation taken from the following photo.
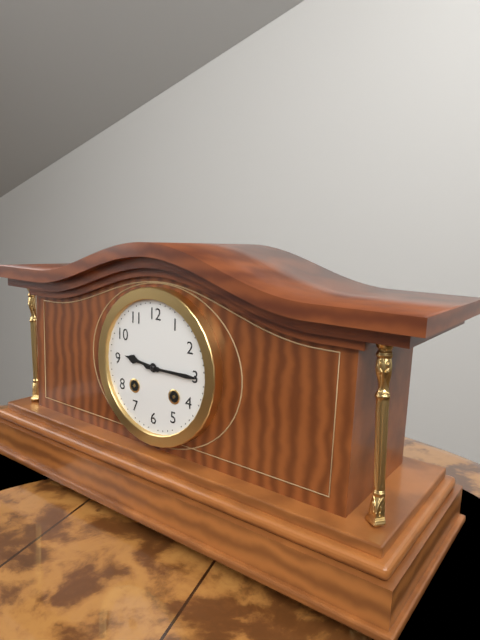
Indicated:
9.15
